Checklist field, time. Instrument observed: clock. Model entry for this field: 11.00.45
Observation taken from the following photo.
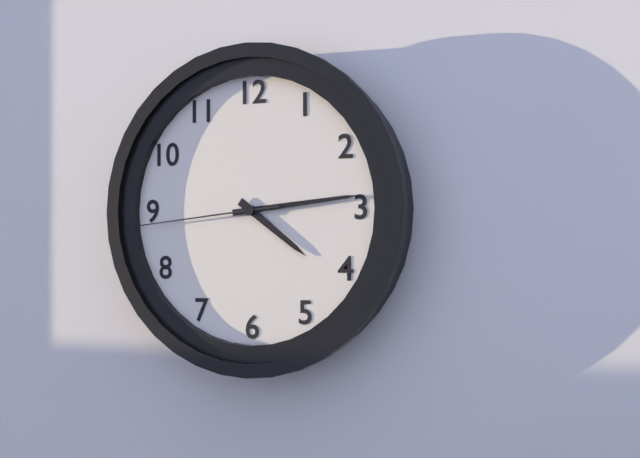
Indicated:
4.14.44
